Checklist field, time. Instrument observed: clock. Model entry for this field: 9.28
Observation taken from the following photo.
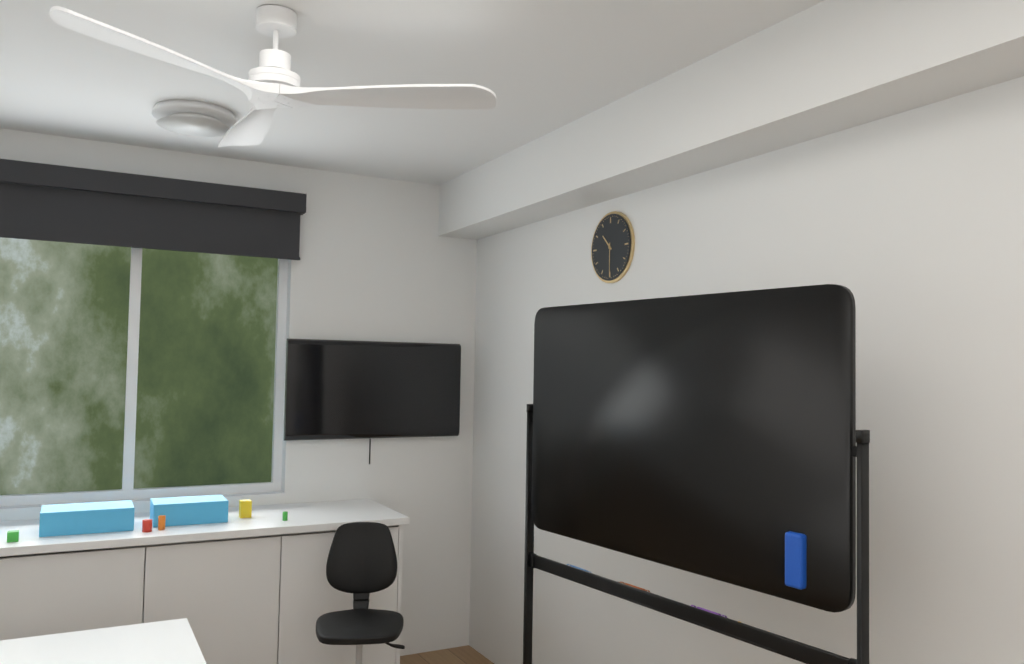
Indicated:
10.30
